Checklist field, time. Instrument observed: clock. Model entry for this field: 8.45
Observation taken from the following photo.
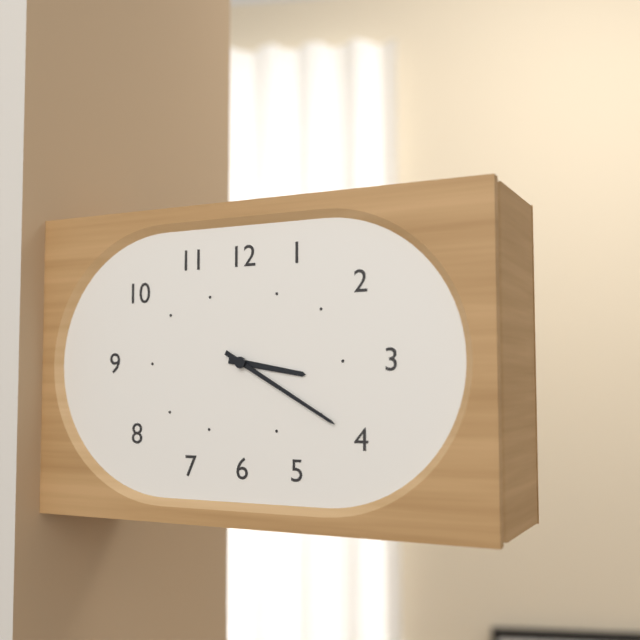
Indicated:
3.20
